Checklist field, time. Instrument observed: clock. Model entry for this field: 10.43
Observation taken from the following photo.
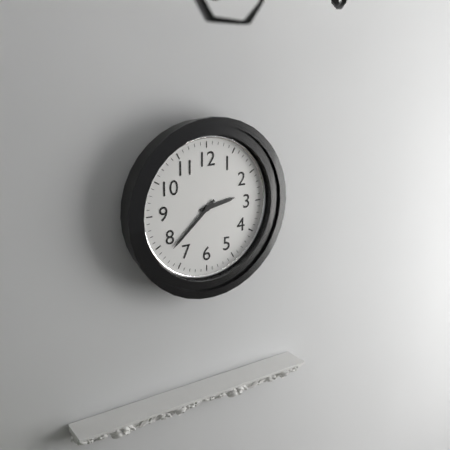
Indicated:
2.38
